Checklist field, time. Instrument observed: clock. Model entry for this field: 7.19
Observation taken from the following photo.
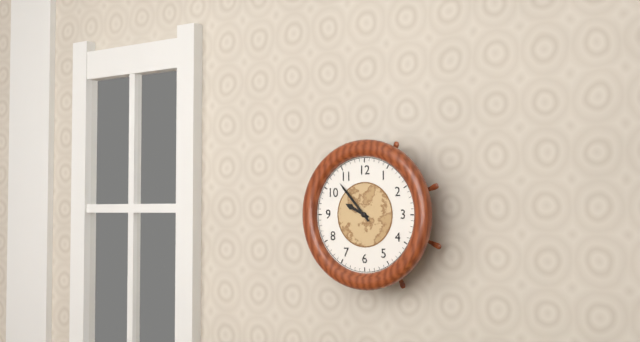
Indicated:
9.53
